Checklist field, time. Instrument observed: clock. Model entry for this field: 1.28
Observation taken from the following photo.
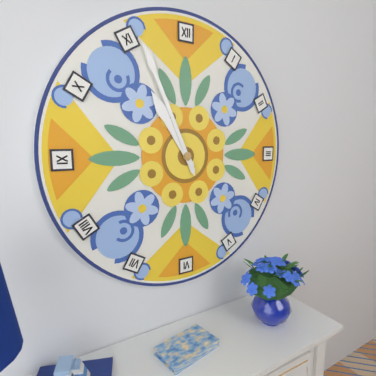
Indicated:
10.56
